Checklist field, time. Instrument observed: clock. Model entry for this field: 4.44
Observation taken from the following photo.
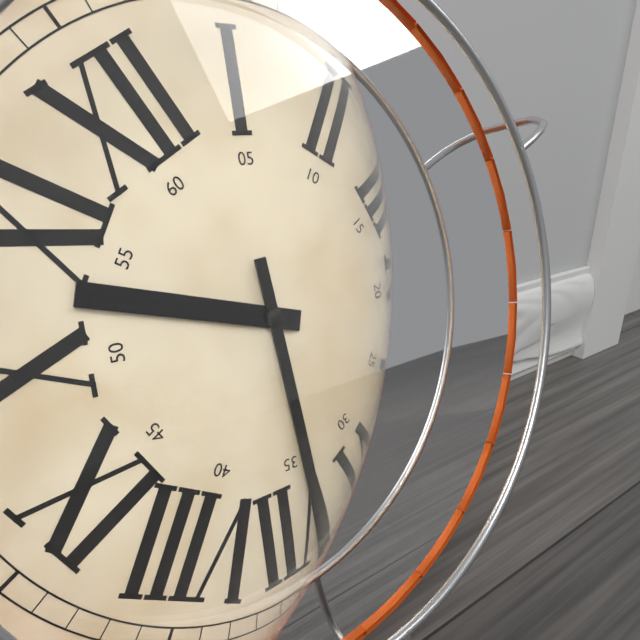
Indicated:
10.34
